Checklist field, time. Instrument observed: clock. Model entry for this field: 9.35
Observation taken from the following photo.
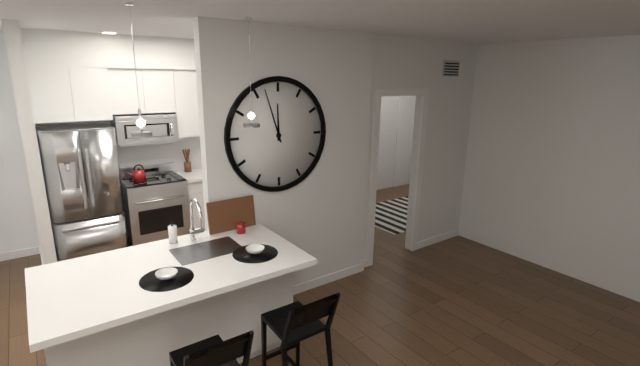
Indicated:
11.57
